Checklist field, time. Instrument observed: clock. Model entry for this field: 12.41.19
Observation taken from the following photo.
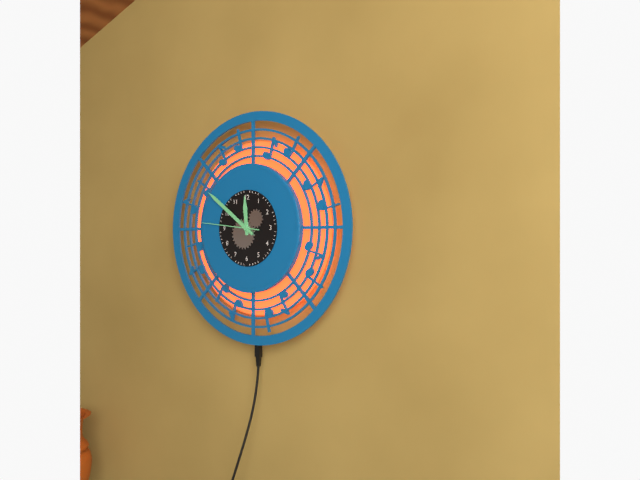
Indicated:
11.51.46
